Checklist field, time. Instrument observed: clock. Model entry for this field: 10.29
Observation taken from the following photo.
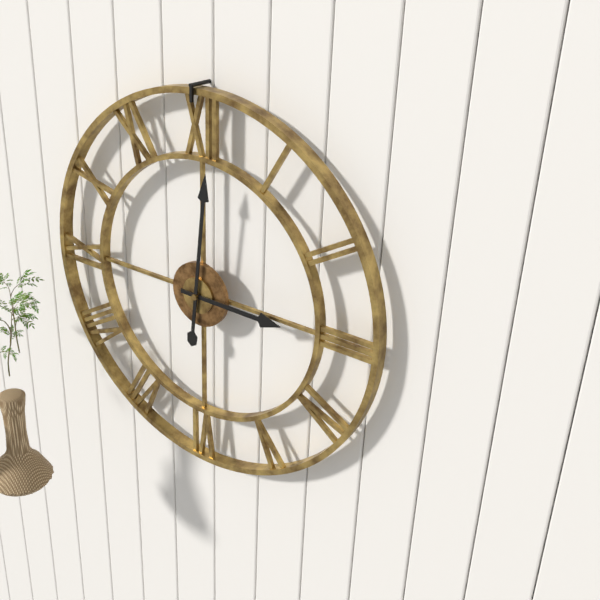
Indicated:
3.01
